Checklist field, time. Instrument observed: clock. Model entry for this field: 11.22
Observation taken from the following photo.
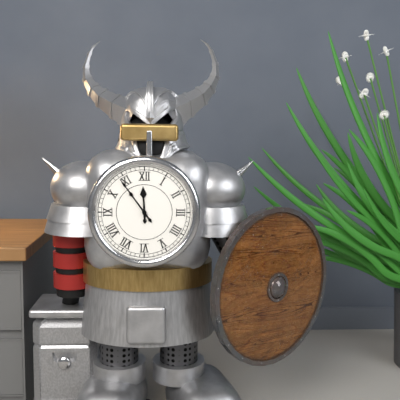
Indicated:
11.54
